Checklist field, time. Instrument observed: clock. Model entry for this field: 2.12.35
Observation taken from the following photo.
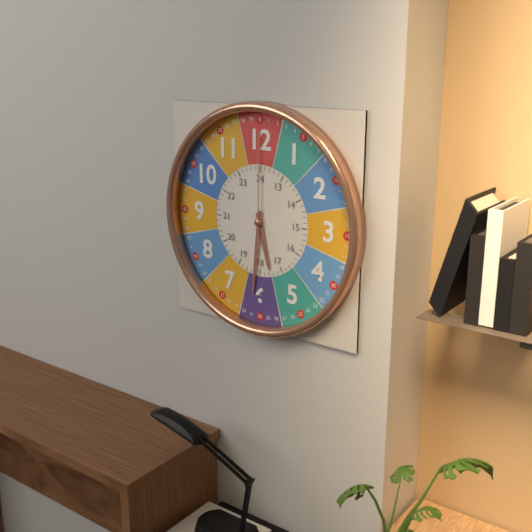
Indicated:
5.31.00
